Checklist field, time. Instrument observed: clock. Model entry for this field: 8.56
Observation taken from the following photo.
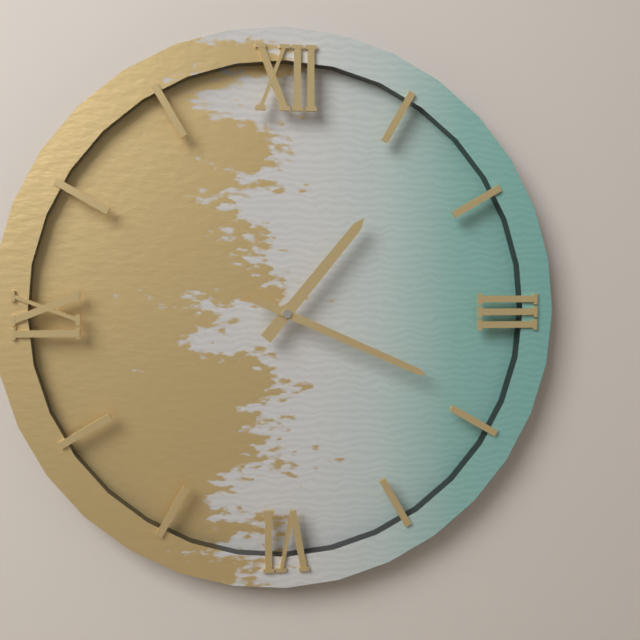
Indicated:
1.19
